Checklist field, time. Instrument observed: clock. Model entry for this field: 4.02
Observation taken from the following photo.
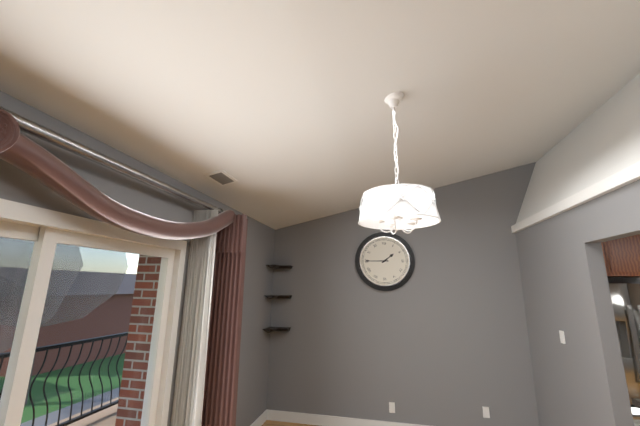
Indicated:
1.45
